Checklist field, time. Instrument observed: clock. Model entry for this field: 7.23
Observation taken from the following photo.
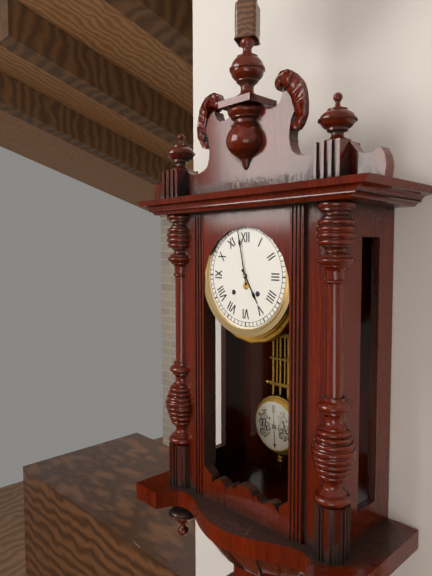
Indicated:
4.58
